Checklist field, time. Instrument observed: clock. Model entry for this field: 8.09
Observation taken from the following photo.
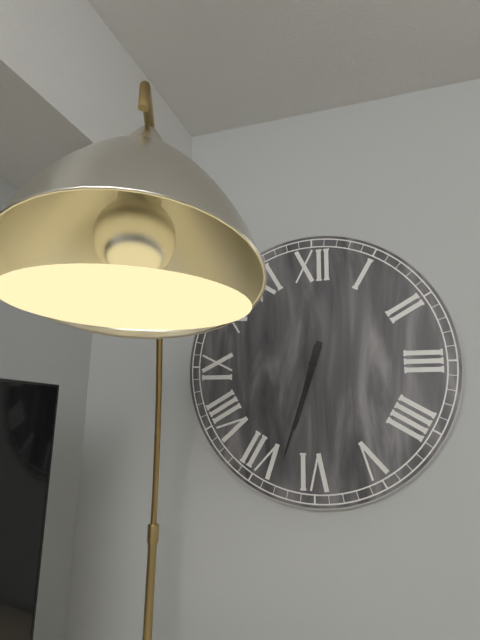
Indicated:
6.33
